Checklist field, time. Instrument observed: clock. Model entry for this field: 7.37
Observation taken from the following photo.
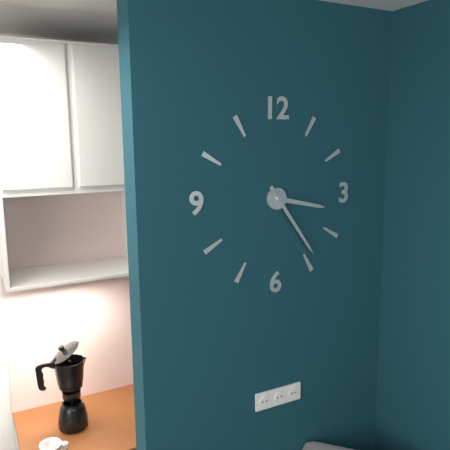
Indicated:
3.24
